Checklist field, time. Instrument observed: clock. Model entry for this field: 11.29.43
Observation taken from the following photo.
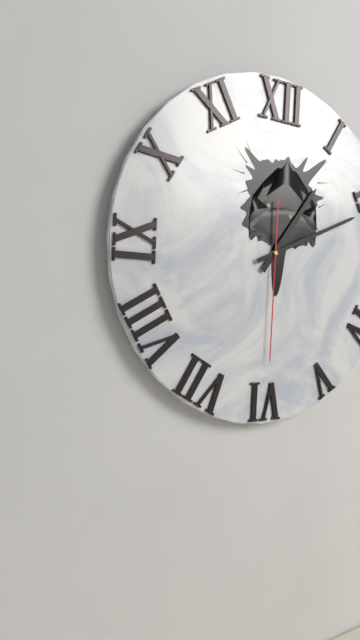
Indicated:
1.11.30
